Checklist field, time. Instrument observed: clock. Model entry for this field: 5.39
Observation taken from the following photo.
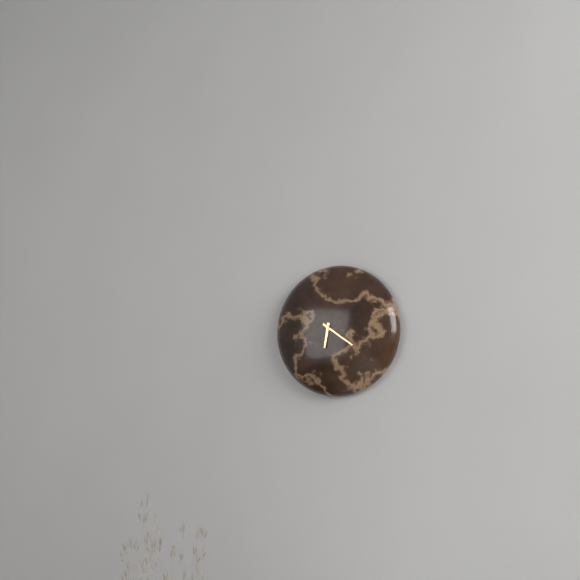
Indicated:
6.21
